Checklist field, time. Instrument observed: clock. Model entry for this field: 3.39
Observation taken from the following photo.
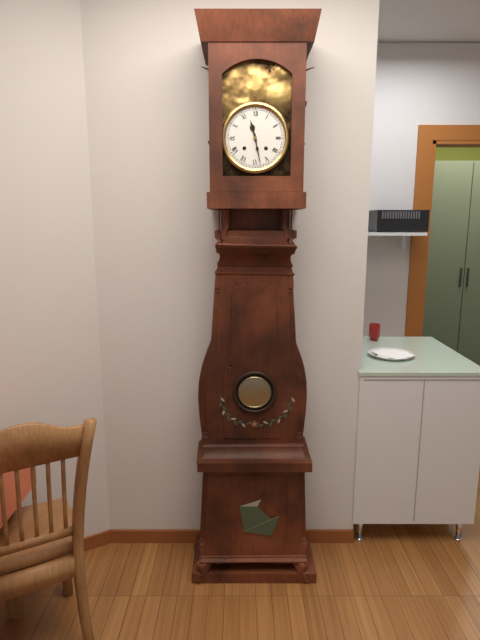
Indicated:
11.28
